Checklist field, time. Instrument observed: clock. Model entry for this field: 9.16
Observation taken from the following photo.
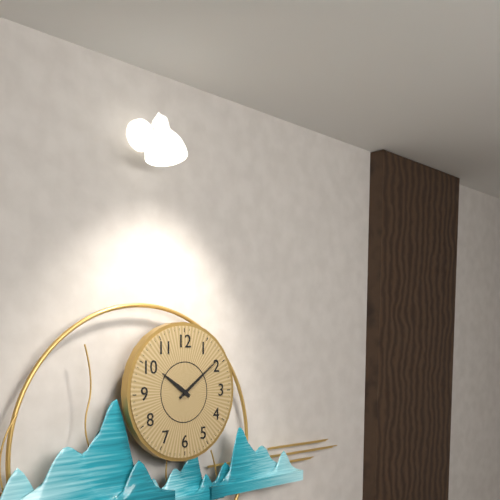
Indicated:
10.09
